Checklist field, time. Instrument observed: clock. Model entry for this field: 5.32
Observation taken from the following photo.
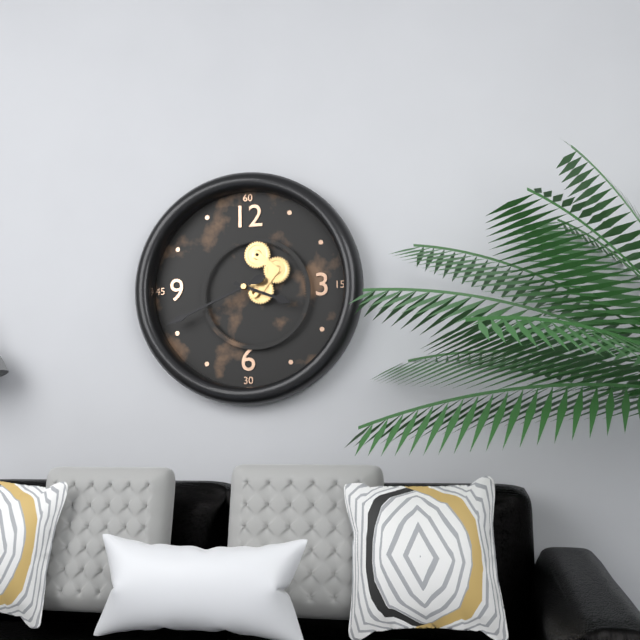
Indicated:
3.41
